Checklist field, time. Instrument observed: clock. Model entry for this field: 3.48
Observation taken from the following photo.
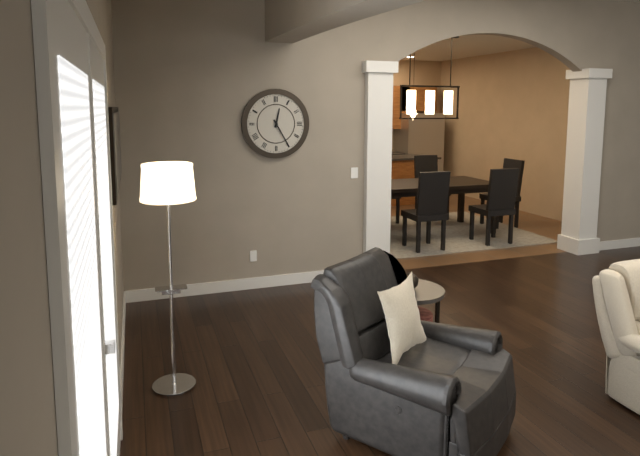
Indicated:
12.25
